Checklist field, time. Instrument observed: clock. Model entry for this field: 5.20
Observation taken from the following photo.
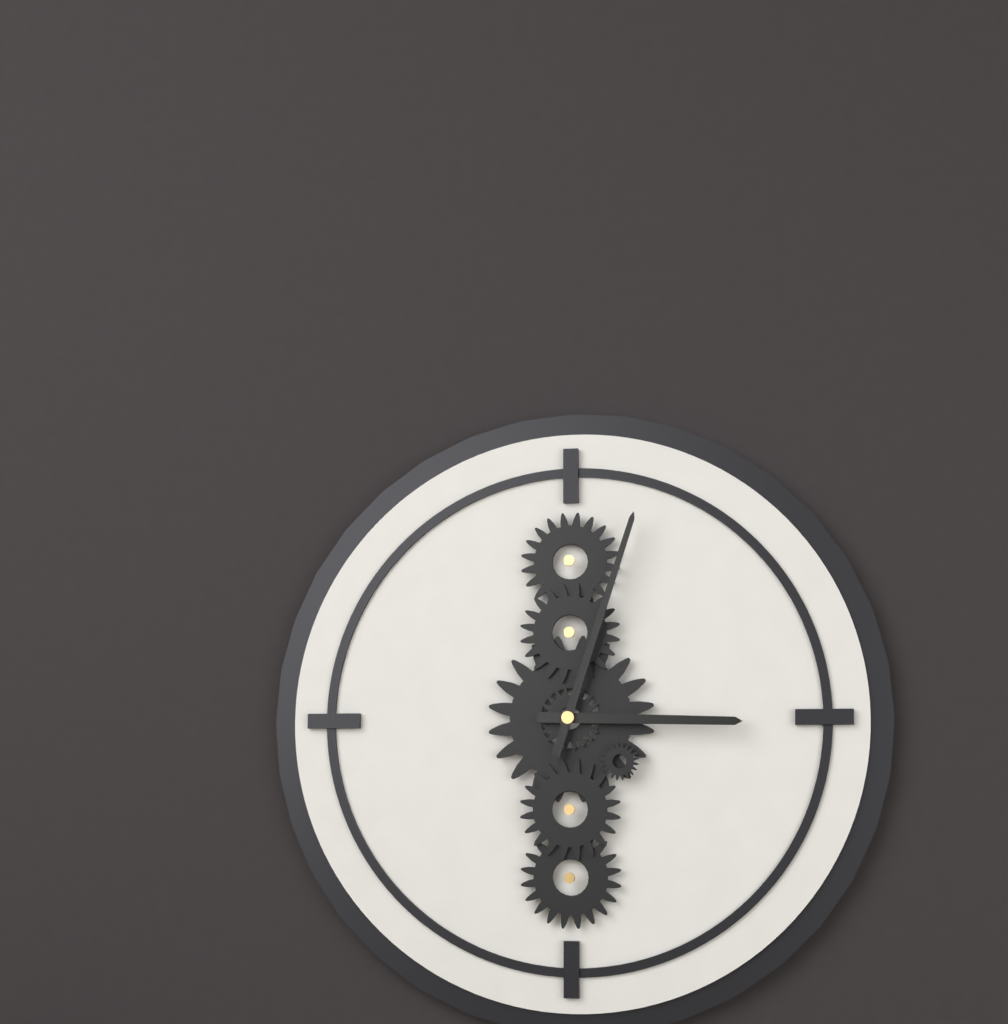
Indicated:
3.03
